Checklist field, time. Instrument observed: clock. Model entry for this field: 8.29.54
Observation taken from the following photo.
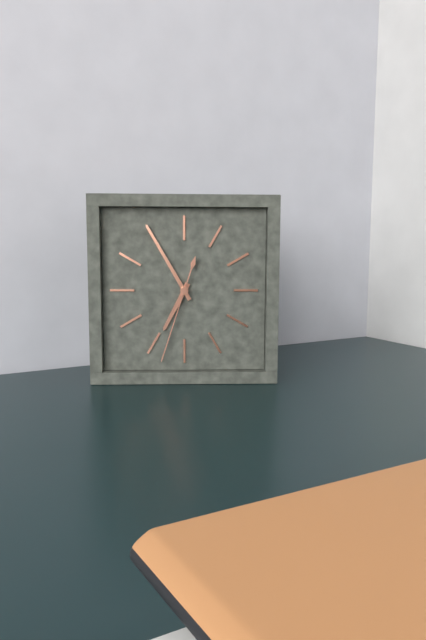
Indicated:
6.55.33
